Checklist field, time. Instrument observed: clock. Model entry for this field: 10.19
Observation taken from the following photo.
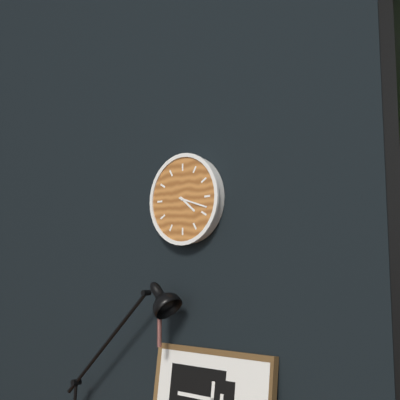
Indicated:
4.18
